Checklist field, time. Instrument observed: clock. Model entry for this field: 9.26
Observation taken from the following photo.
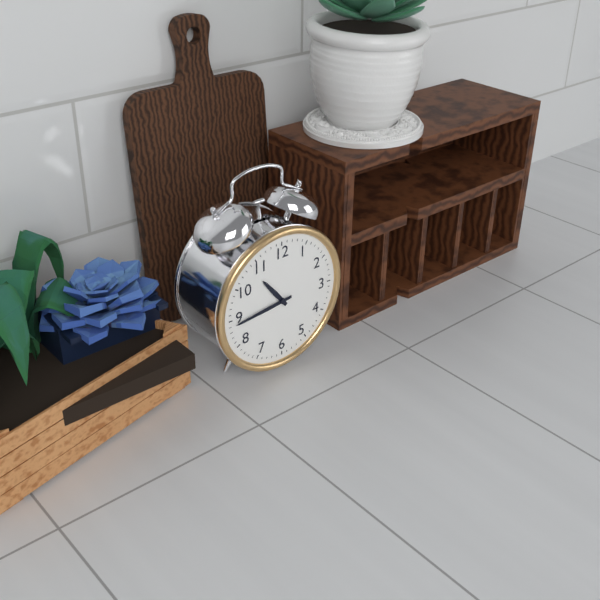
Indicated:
10.44
